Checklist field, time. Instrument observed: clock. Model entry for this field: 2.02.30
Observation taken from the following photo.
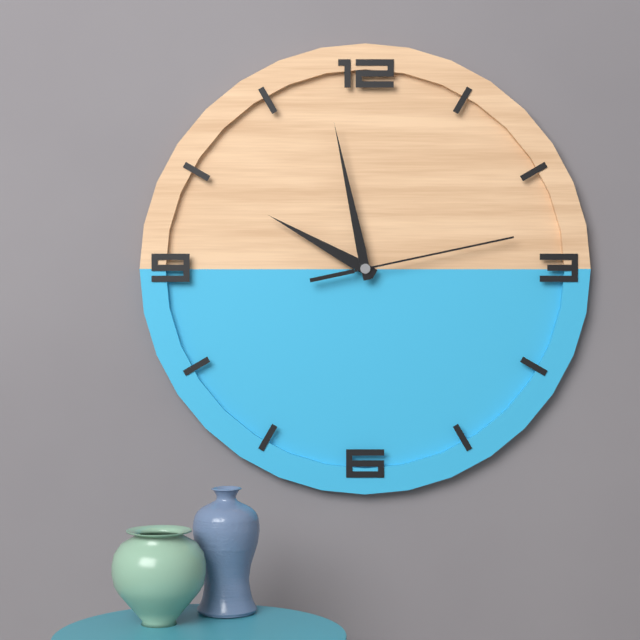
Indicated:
9.58.13
